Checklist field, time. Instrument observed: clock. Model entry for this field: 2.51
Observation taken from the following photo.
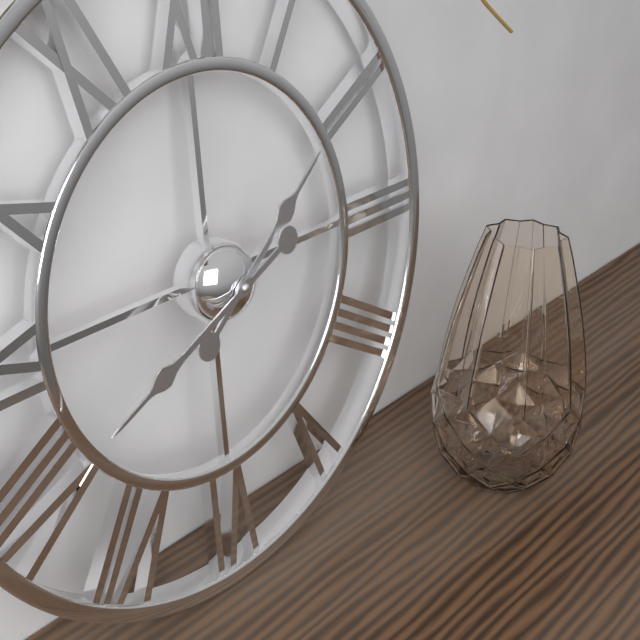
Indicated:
1.41
